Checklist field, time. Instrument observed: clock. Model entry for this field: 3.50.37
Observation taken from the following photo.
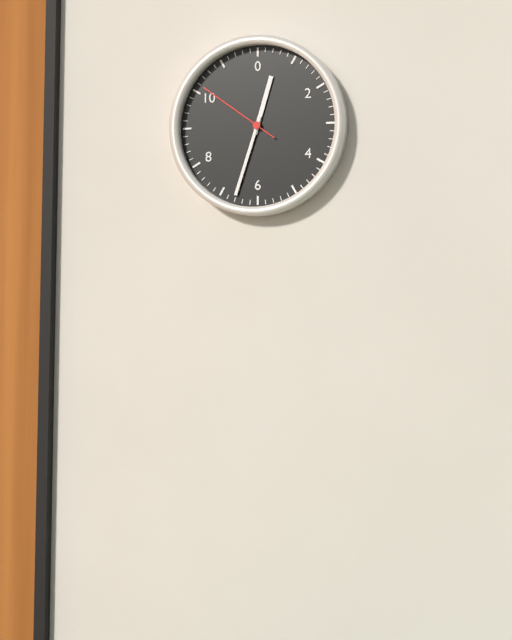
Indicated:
12.33.51
